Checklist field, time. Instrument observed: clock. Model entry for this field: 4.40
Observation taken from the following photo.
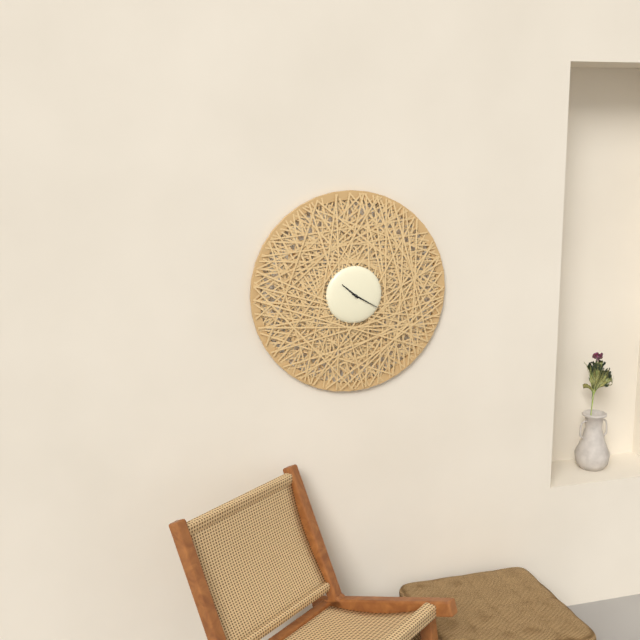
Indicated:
10.20
